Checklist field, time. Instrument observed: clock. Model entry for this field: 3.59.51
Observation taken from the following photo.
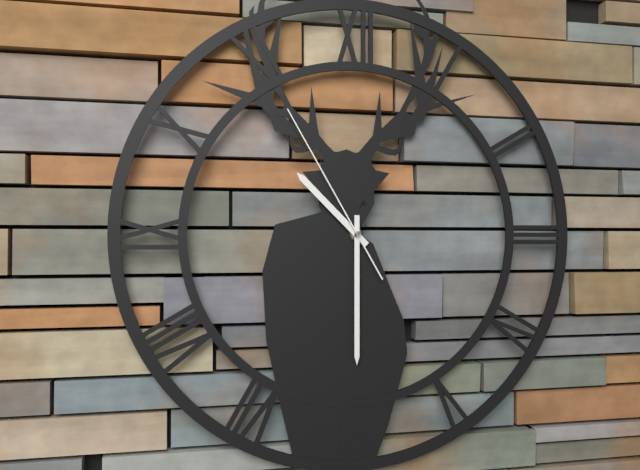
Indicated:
10.30.55
